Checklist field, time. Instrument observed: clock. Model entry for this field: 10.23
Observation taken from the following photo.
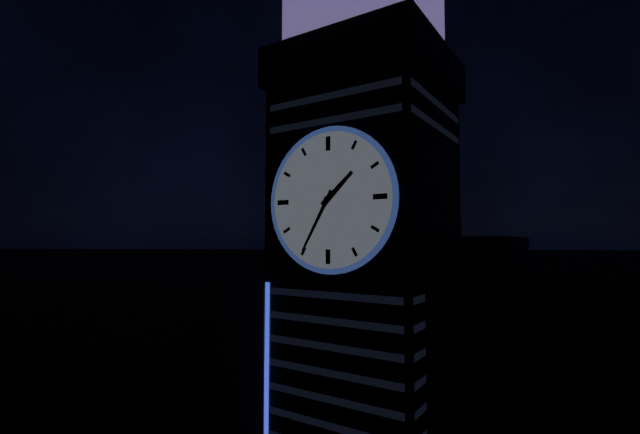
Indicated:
1.35
